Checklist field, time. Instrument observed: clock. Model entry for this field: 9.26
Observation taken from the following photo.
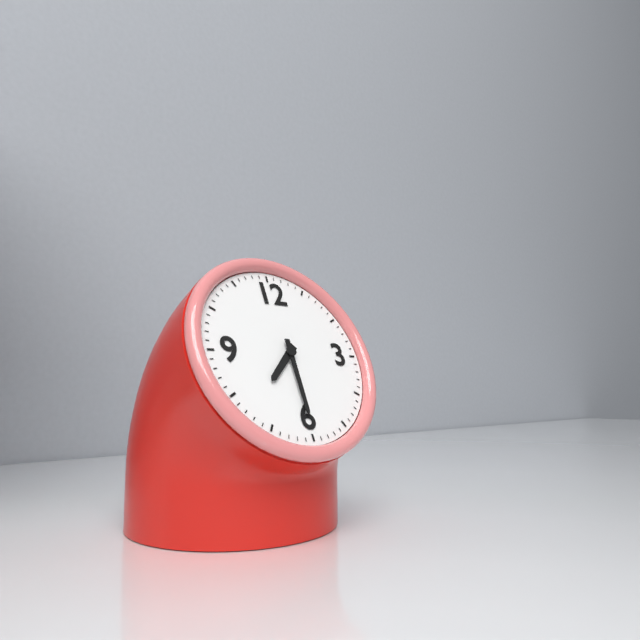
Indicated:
7.30
